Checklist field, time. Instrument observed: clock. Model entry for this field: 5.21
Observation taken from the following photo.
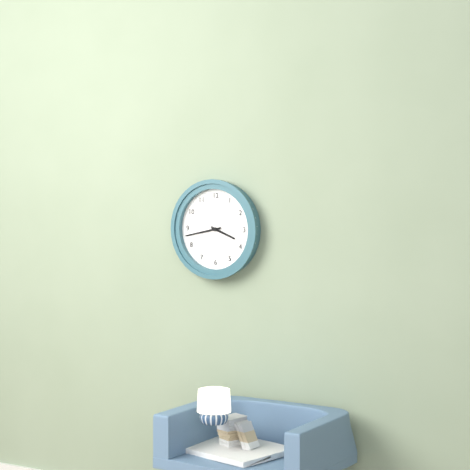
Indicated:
3.43
